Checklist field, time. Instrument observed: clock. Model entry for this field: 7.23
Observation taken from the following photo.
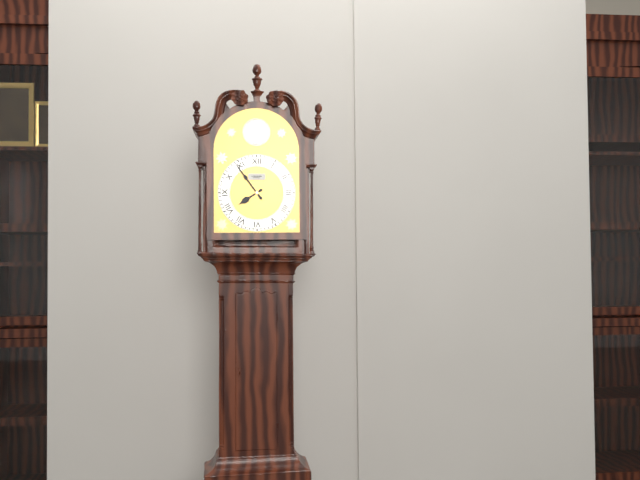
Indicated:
7.54
